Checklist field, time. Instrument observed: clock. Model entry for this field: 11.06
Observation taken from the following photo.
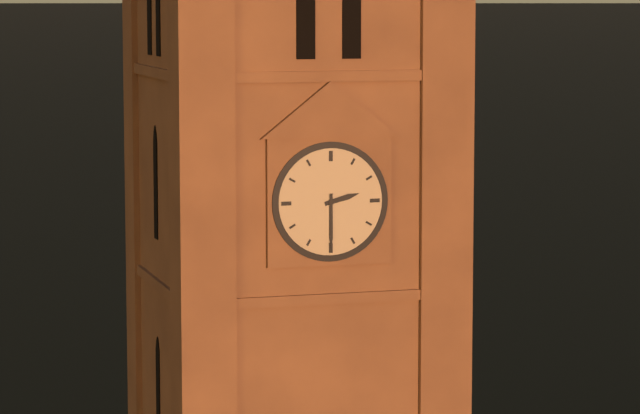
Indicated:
2.30
